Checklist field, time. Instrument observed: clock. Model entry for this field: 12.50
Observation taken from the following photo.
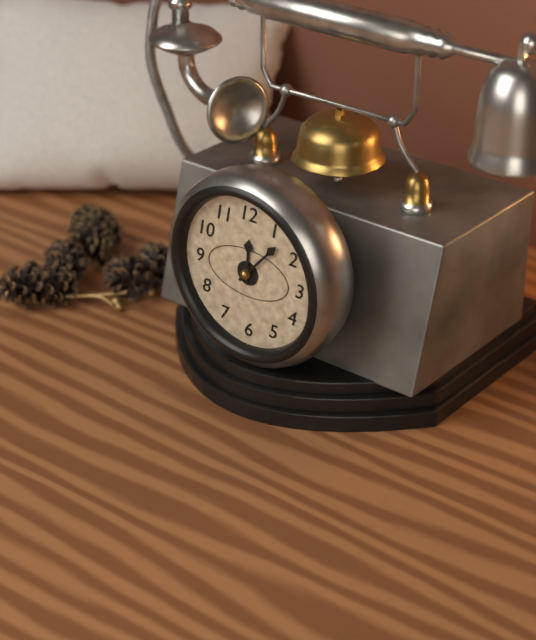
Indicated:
12.07
